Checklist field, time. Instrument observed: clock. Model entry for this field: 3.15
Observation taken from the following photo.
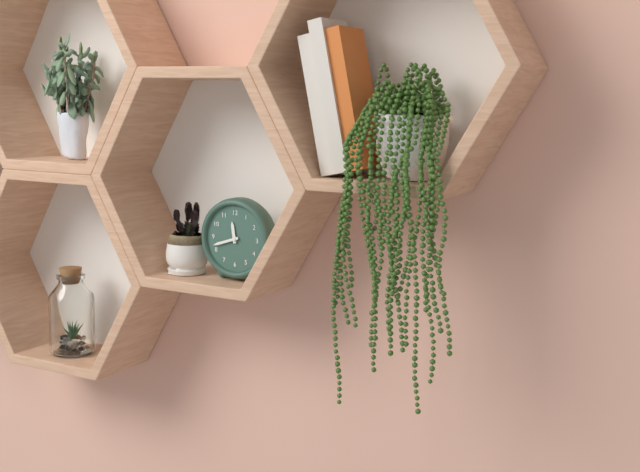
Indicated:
11.42
